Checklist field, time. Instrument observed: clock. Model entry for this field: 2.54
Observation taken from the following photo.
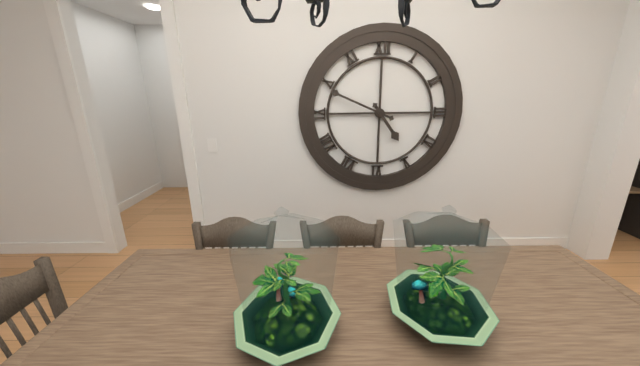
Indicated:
4.49
